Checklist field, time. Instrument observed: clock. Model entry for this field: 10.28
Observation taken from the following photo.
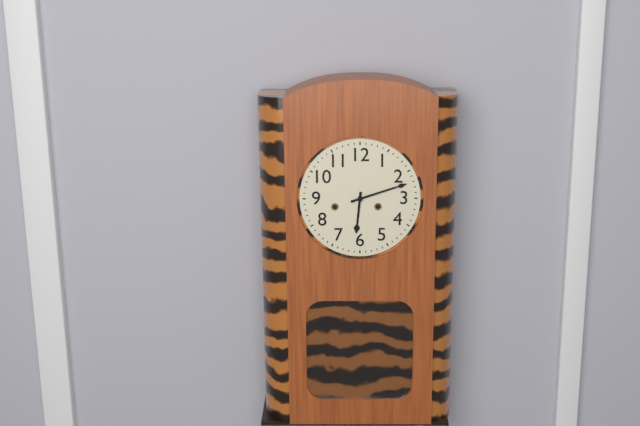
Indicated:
6.12
